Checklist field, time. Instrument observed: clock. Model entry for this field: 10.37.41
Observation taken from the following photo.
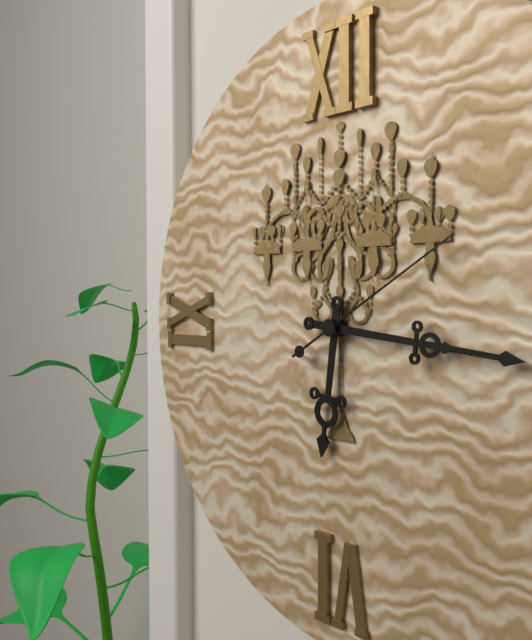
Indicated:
6.16.10
